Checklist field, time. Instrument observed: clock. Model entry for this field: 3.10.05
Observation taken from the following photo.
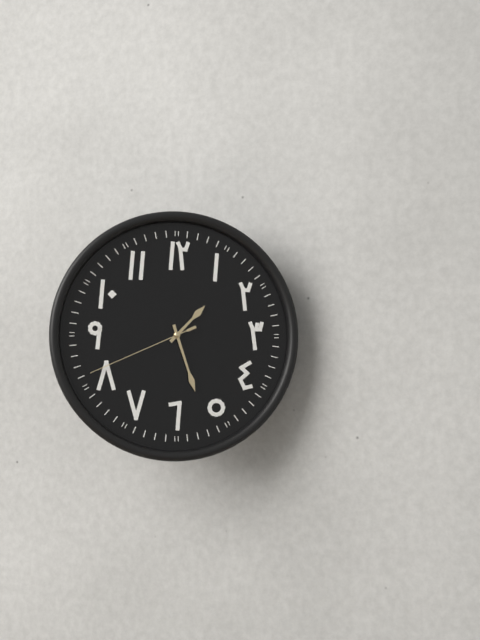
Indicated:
1.27.41
